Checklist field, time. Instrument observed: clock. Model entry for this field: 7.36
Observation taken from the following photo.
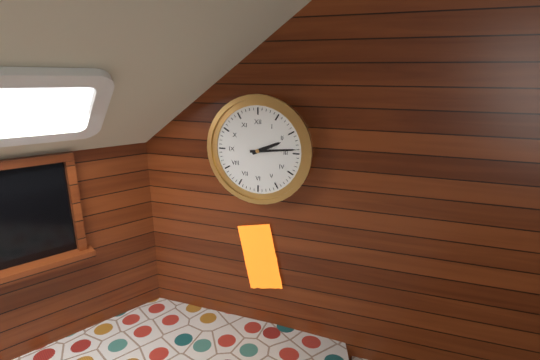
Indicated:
2.14
